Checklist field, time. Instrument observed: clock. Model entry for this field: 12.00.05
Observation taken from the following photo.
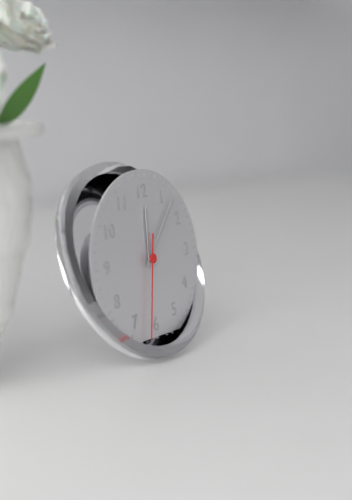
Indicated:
12.07.32
